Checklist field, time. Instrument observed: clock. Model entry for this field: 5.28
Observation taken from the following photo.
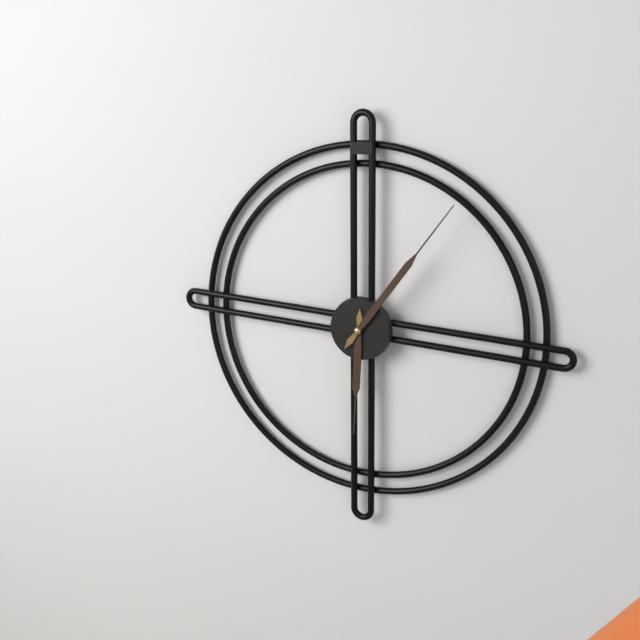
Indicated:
6.06
